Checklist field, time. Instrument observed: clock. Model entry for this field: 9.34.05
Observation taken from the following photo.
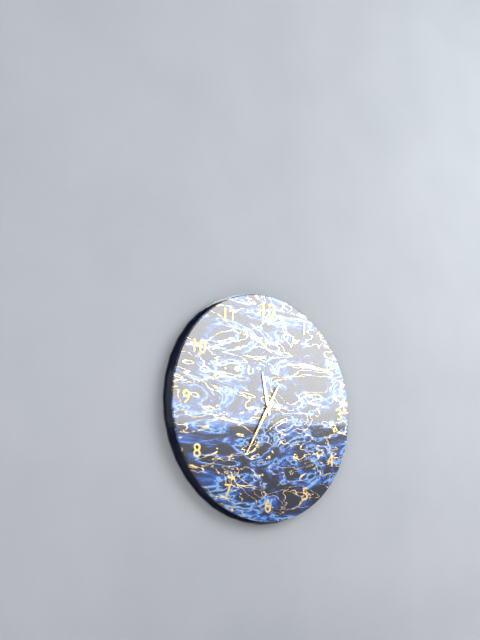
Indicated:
11.35.35
